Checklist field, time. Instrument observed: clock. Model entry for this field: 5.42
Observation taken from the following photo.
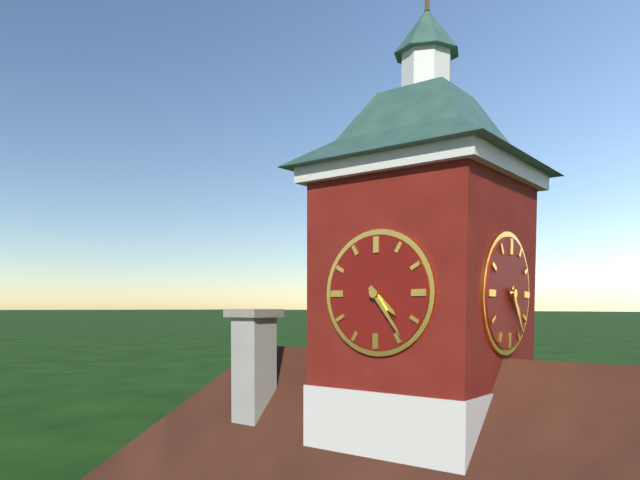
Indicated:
4.24
